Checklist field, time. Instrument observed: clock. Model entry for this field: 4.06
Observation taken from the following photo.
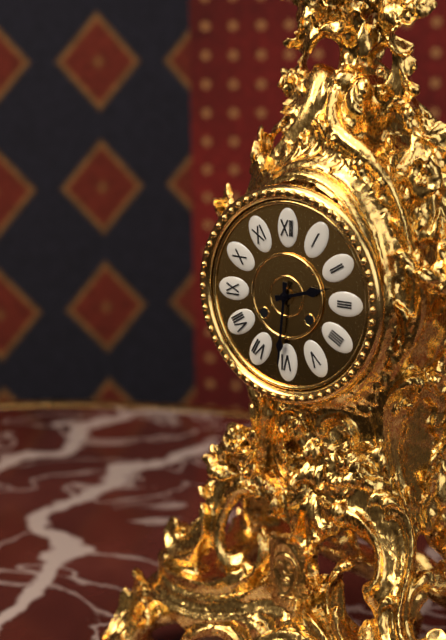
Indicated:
2.31
